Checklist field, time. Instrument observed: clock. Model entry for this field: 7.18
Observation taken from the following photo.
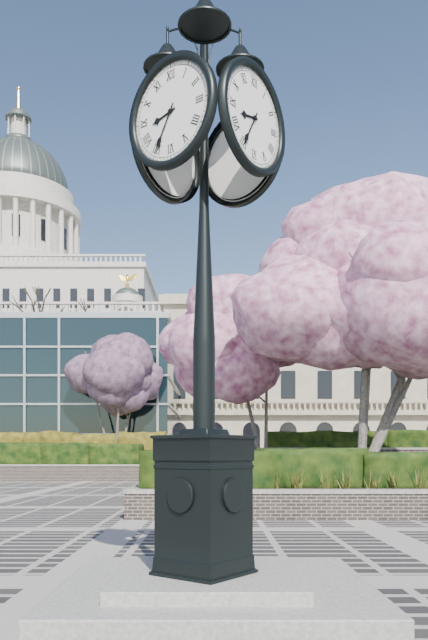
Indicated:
8.35
